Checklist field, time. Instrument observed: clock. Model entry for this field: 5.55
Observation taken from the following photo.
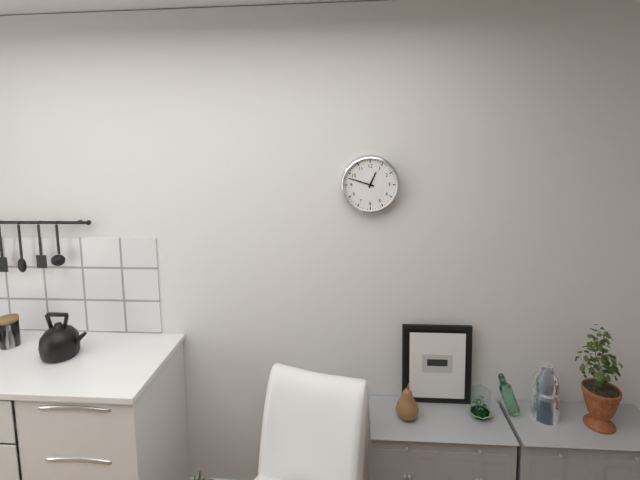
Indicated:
12.48
